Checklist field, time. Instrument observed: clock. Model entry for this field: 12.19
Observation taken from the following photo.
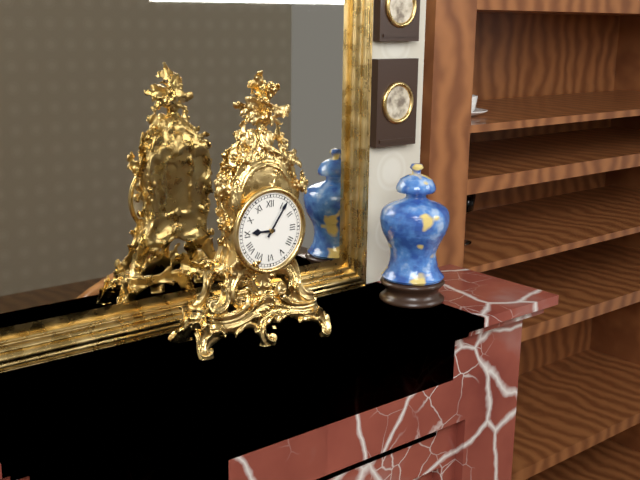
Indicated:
9.06
